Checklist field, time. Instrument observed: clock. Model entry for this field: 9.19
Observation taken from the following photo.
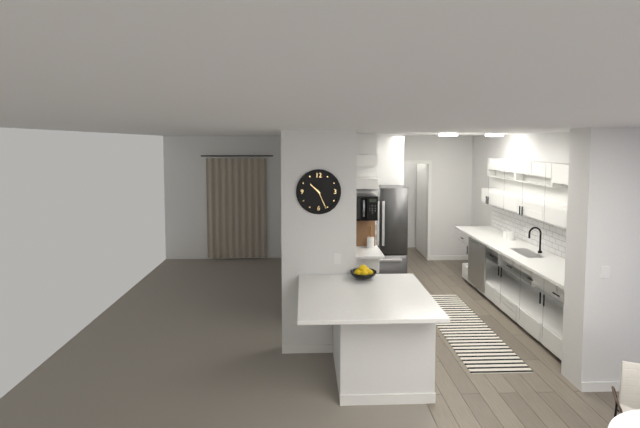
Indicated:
10.26
